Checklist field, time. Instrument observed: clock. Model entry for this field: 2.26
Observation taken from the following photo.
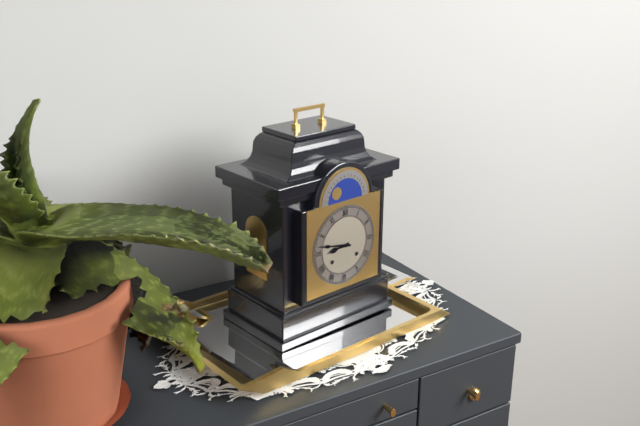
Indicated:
8.47
